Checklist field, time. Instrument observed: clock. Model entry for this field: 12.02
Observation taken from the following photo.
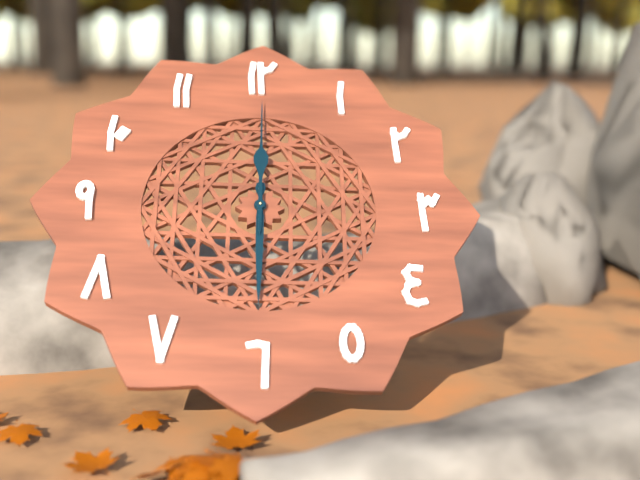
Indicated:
6.00
